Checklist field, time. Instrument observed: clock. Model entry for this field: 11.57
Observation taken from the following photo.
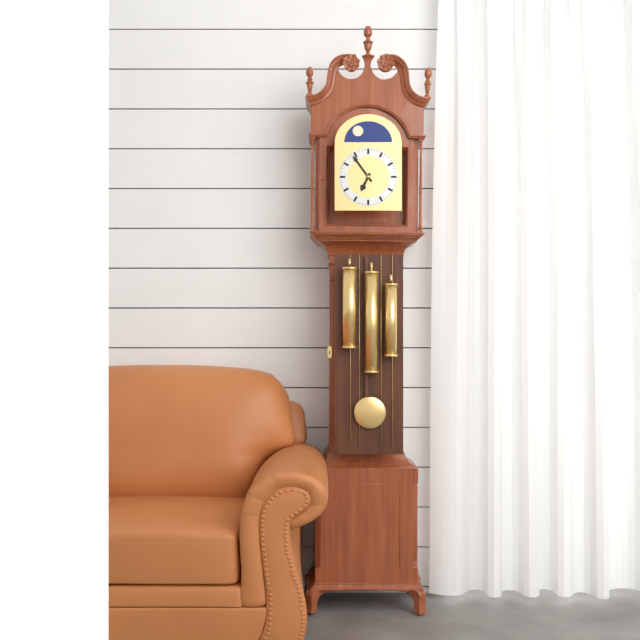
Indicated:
6.54
